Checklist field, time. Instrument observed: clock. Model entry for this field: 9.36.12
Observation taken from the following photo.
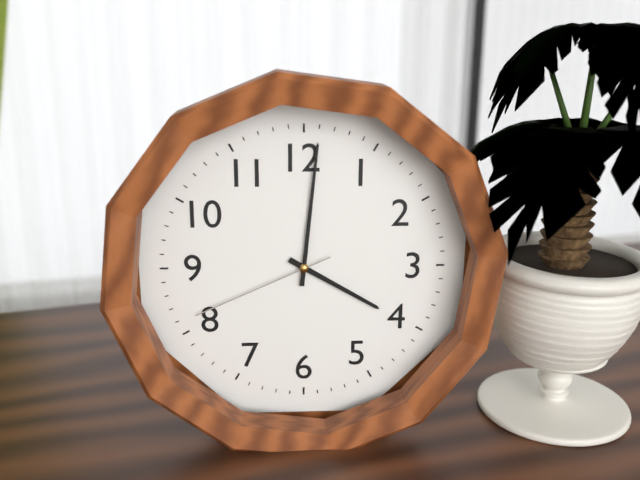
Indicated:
4.01.41
